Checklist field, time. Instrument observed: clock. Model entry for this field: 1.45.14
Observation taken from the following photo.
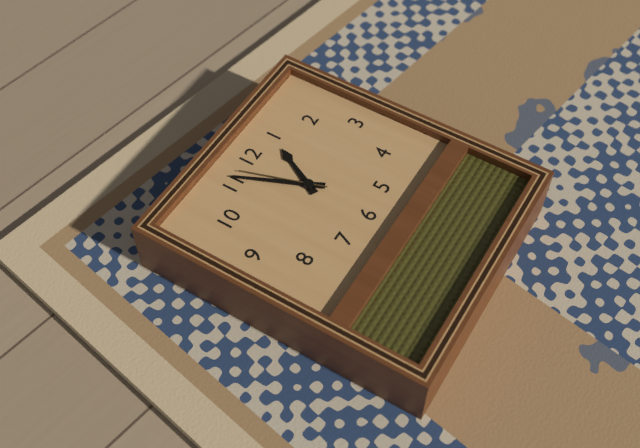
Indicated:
12.56.57
